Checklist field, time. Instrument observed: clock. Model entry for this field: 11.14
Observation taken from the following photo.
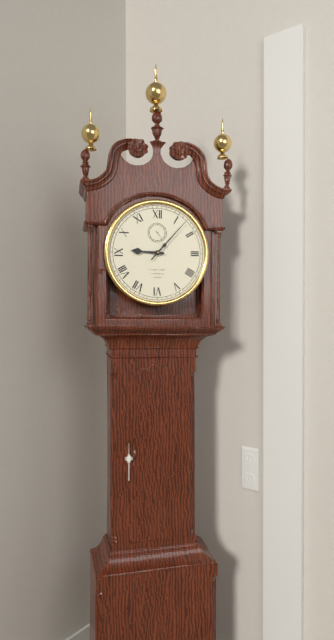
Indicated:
9.07
